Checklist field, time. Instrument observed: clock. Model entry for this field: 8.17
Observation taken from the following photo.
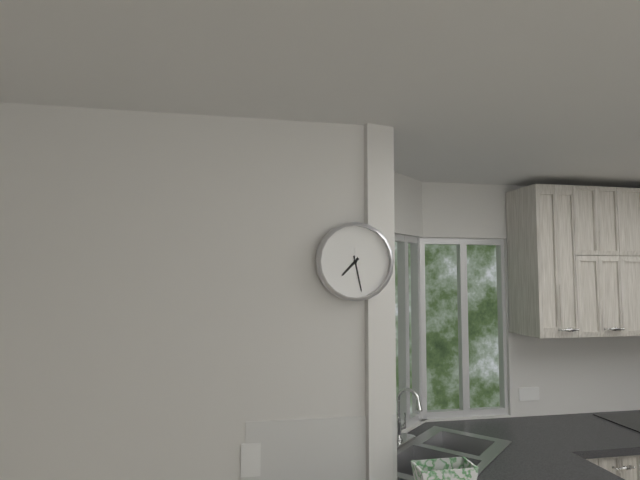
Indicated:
7.28
